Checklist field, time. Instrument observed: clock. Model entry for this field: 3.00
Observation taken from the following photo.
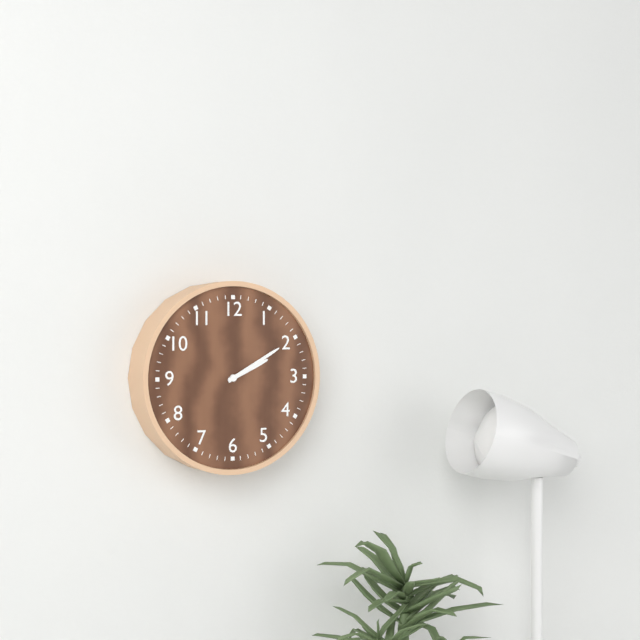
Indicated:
2.10
